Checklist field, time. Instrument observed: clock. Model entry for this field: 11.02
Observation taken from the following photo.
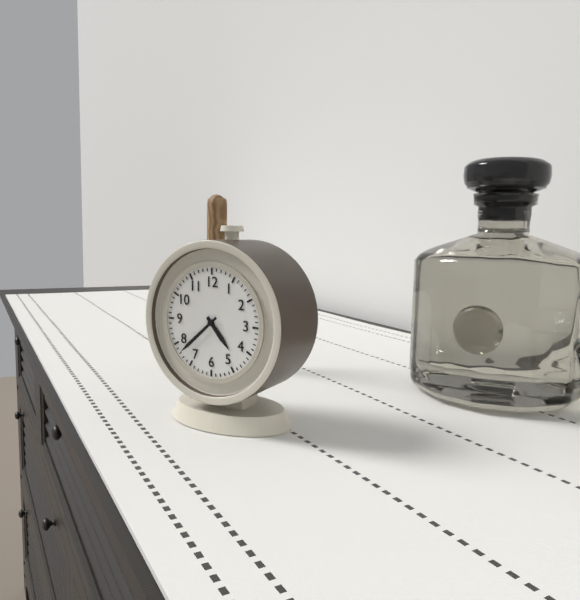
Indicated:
4.38
